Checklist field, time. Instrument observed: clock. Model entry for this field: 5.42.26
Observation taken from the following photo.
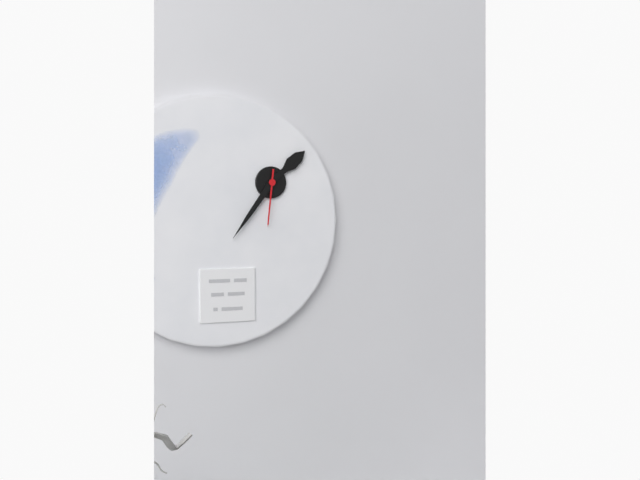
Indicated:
1.36.31
